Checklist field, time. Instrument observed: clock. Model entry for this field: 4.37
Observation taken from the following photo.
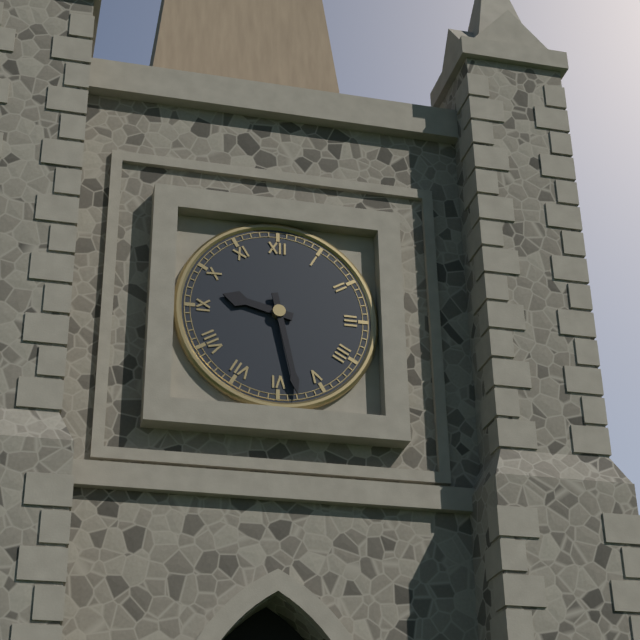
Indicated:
9.28
